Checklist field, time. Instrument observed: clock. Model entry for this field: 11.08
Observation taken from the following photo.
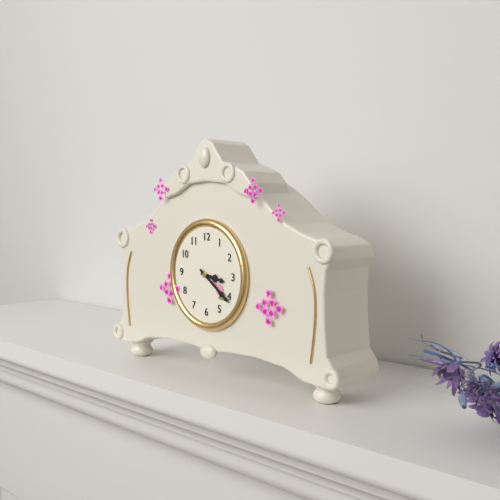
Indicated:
3.21
